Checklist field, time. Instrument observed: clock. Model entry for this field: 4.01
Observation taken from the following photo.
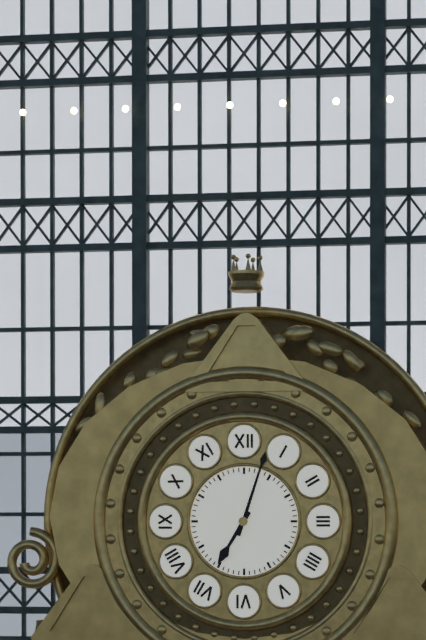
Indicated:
7.03
